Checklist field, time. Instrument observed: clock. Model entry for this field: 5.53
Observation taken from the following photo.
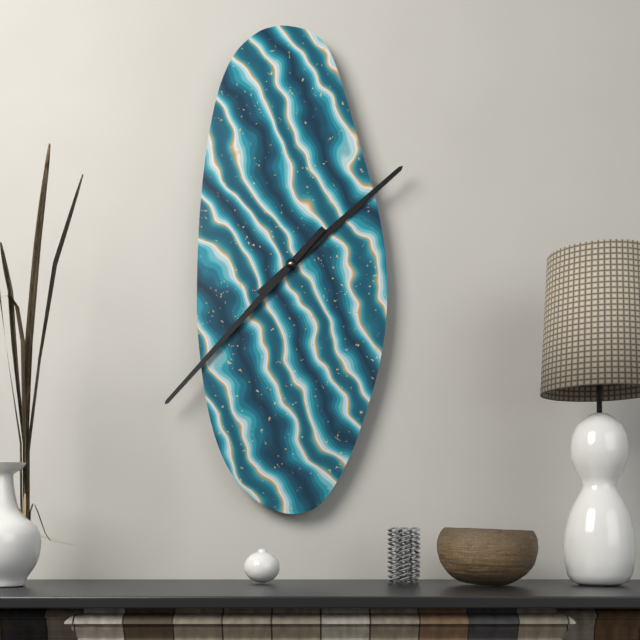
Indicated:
1.37
